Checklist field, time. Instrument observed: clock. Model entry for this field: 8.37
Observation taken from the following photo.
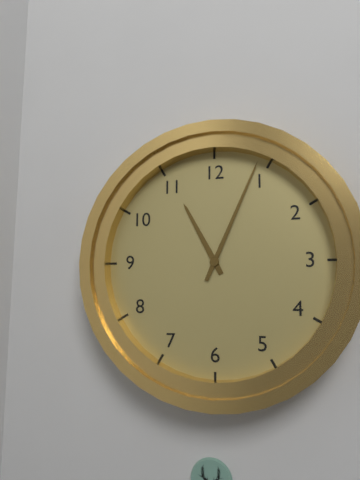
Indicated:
11.04
